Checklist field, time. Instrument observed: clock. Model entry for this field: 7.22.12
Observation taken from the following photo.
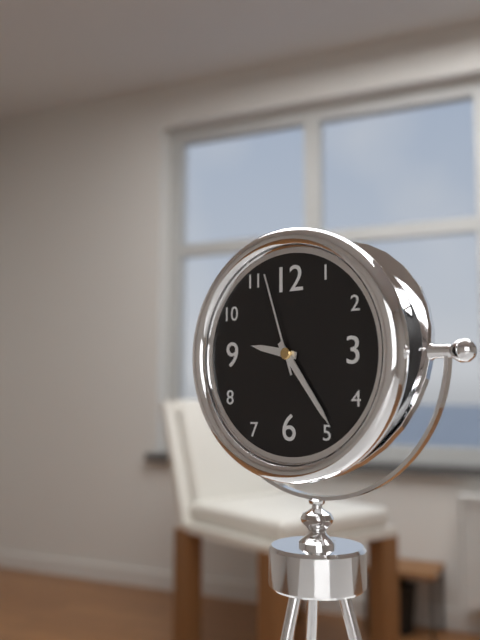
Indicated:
9.24.57
